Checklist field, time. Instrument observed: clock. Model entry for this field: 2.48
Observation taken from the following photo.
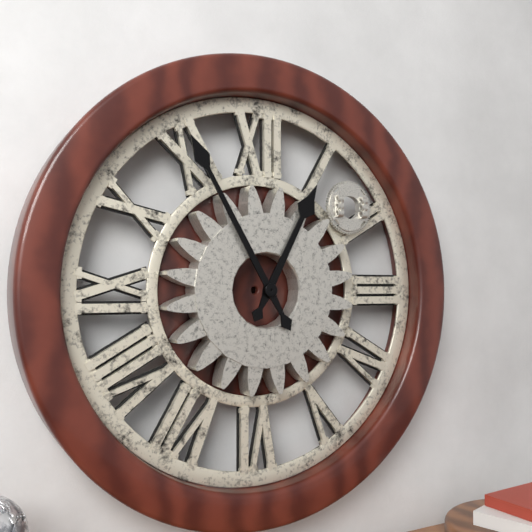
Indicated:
12.55
